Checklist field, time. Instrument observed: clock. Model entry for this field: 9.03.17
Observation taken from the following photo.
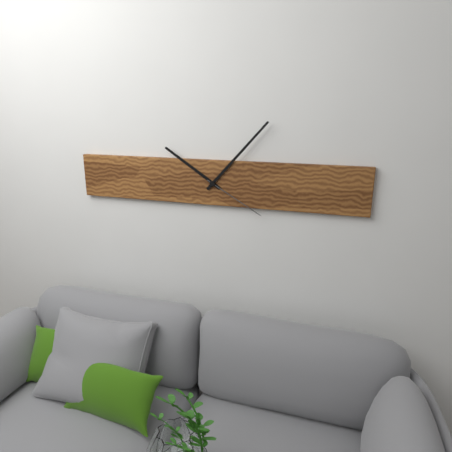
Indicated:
10.07.20
